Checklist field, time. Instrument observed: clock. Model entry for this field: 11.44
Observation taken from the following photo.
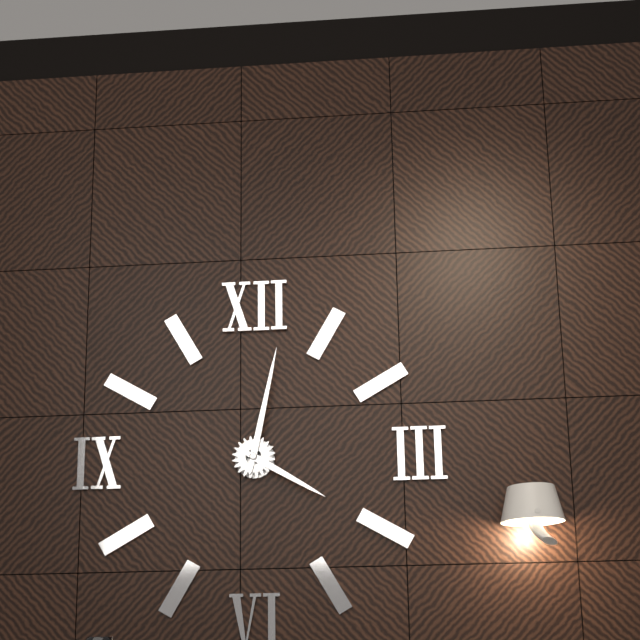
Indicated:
4.02
